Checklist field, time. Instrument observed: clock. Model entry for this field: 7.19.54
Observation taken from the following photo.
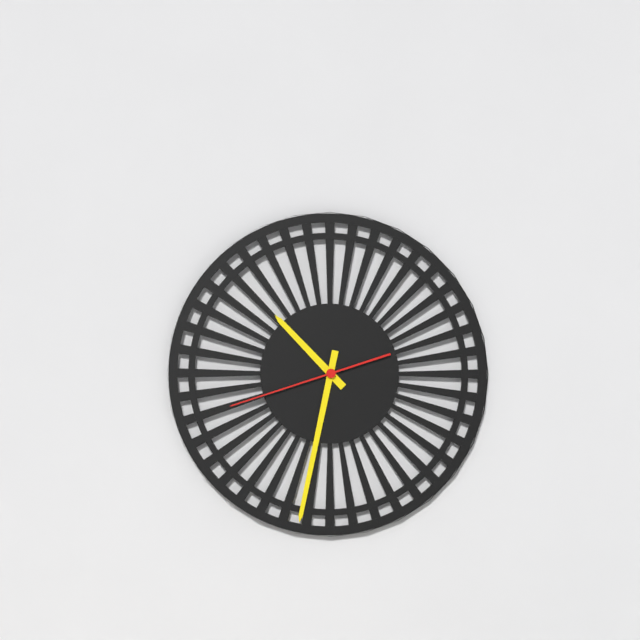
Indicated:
10.32.42
